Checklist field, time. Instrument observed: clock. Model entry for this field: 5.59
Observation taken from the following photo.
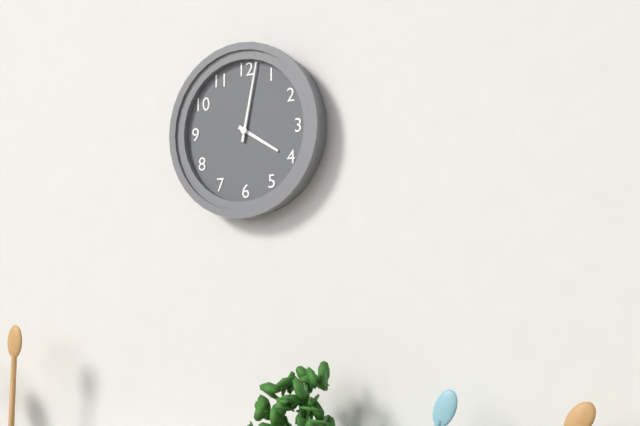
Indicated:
4.02
